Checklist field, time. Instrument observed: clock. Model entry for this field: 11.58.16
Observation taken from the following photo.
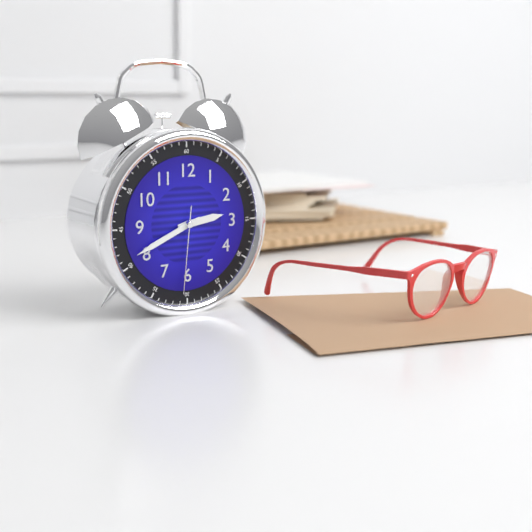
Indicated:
2.41.31
